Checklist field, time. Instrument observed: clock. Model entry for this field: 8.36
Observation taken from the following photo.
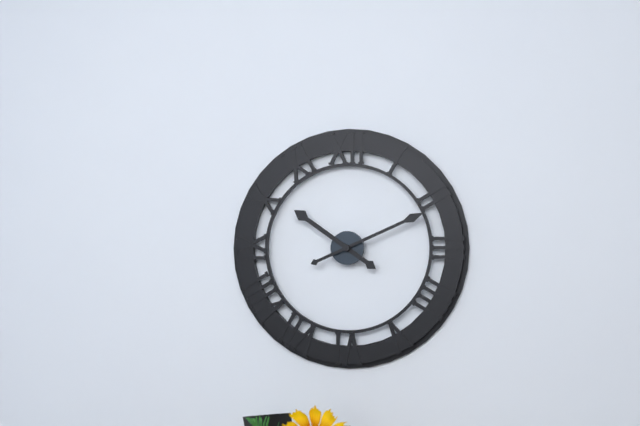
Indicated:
10.11
